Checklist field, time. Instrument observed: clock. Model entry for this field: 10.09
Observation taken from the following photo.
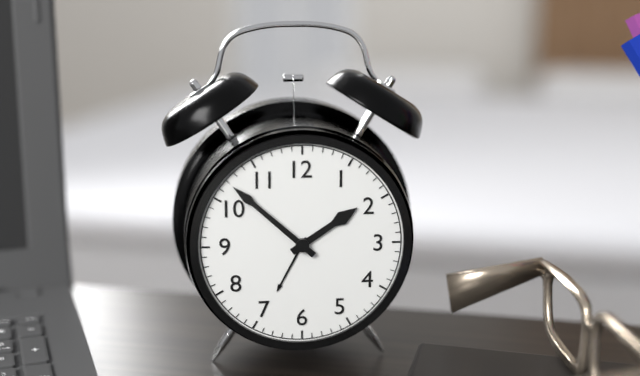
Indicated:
1.52
